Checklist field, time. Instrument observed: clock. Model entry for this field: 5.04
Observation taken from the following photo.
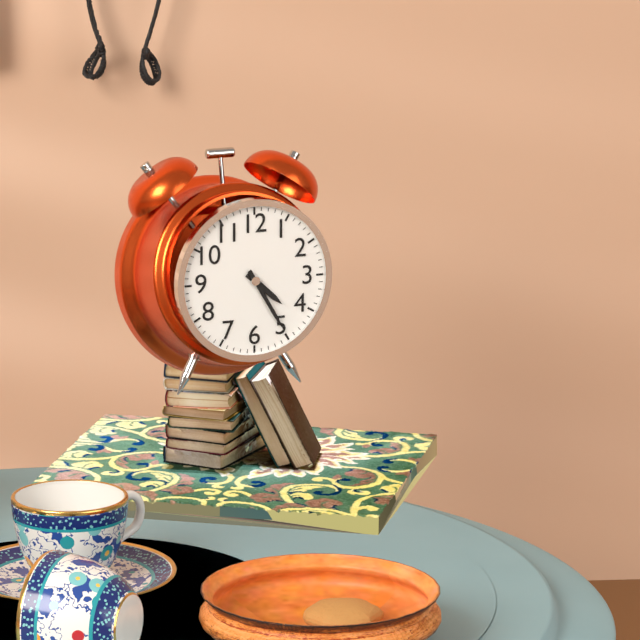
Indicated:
4.25
